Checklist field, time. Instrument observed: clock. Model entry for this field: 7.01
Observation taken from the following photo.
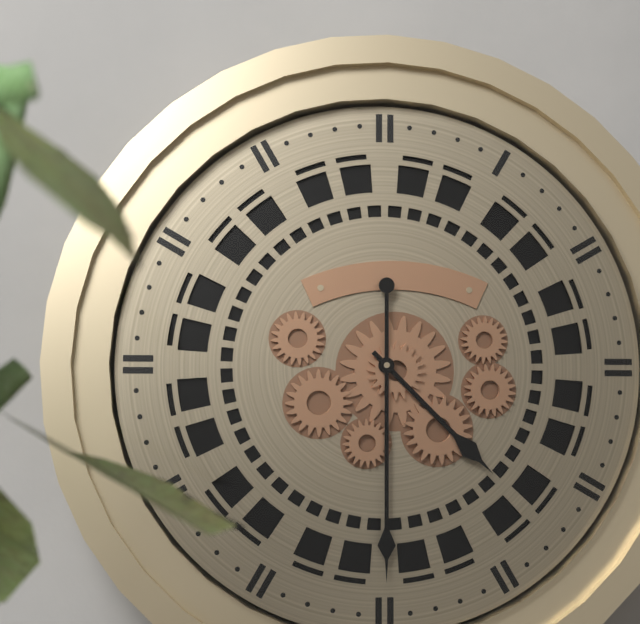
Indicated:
4.30
